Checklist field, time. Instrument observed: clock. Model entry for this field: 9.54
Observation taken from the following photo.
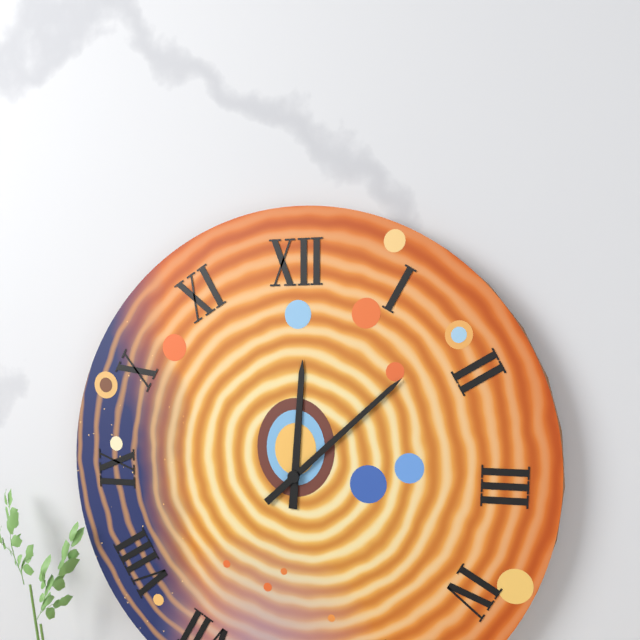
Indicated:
12.08
